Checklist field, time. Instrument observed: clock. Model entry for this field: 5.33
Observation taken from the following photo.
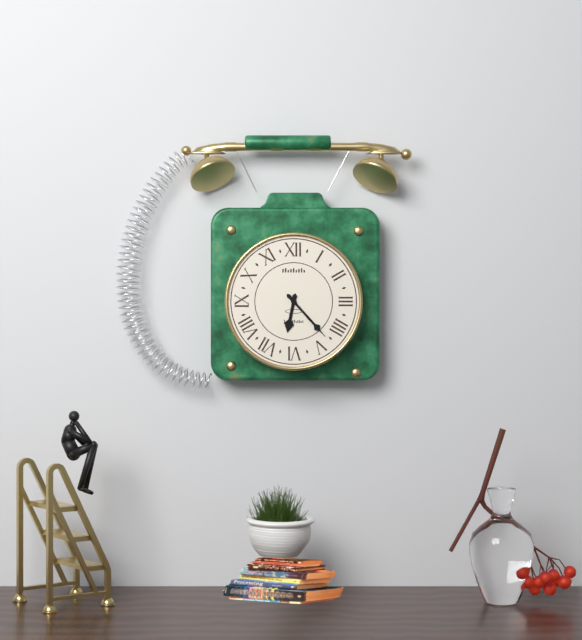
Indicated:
6.23
